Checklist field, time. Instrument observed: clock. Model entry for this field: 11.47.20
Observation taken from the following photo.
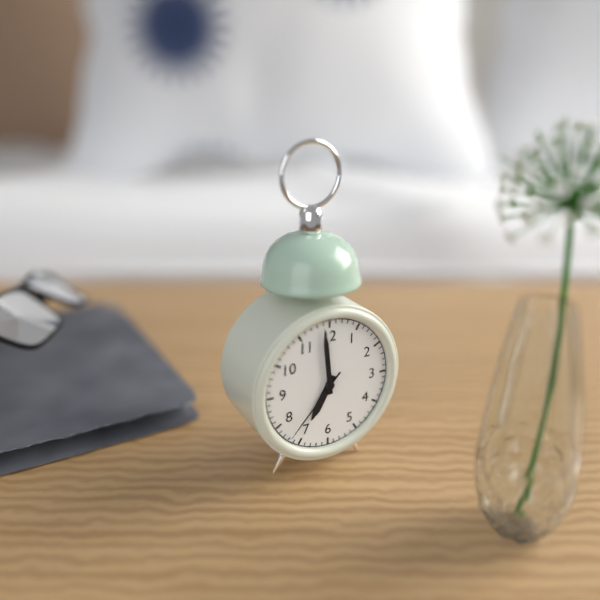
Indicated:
6.59.37
